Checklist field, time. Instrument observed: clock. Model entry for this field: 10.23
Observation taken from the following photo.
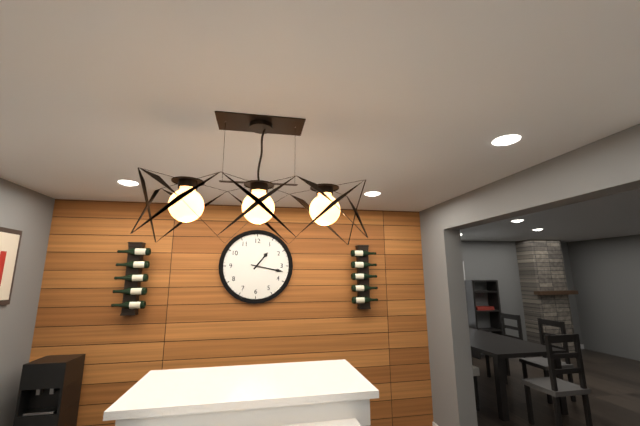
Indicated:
1.17
